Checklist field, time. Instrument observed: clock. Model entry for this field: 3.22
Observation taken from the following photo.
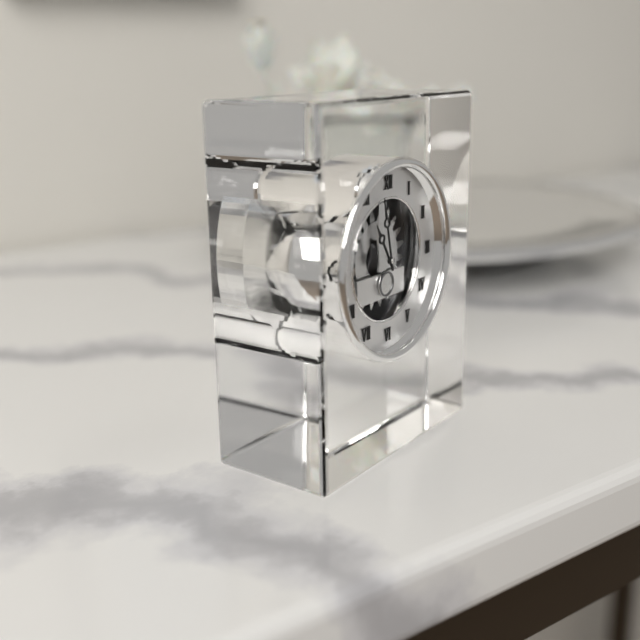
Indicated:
10.58
